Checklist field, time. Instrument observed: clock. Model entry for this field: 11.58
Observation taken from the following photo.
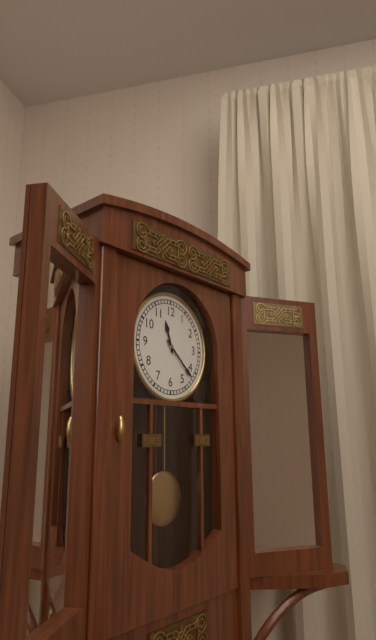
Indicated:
11.22
